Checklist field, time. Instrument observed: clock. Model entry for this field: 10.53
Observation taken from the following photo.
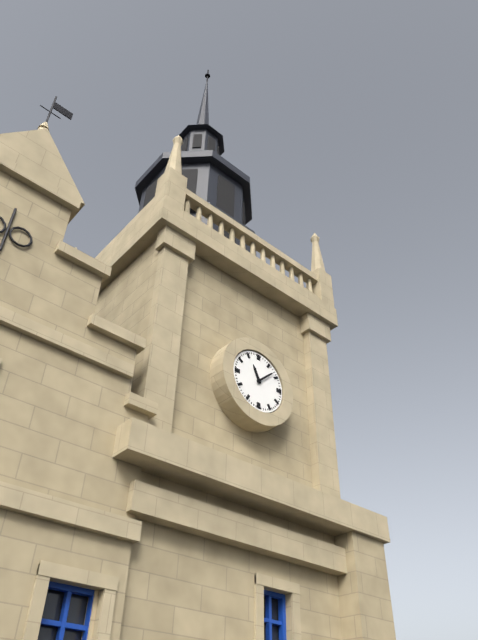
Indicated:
11.08
